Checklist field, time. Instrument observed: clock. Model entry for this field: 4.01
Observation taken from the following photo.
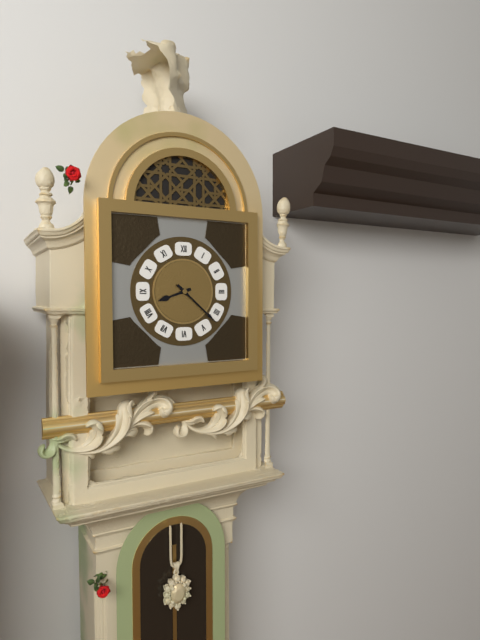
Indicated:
8.22
